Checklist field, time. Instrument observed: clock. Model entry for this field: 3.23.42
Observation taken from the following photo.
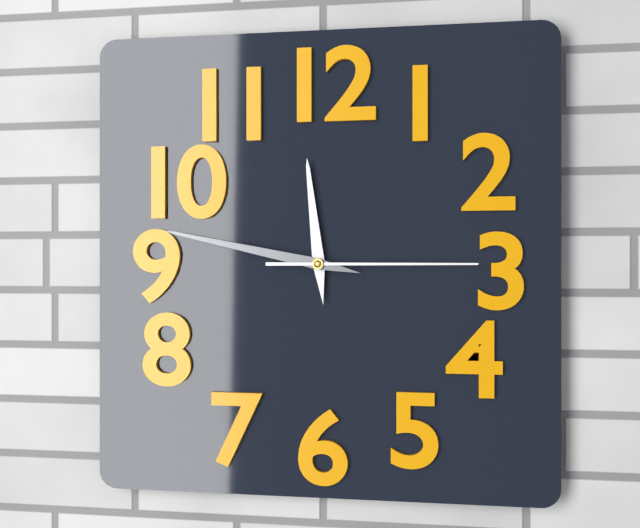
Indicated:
11.47.15
